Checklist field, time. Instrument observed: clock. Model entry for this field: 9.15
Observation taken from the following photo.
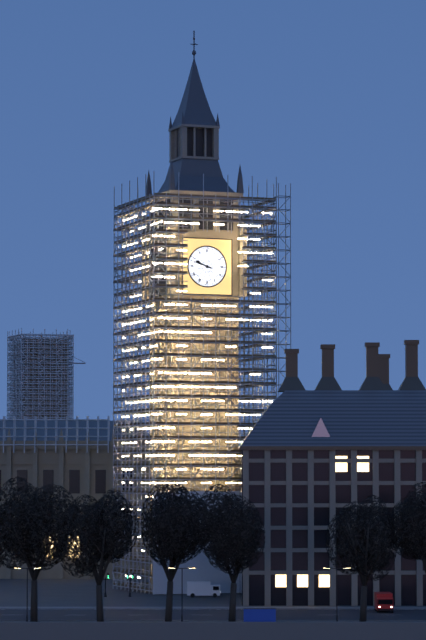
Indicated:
9.48
